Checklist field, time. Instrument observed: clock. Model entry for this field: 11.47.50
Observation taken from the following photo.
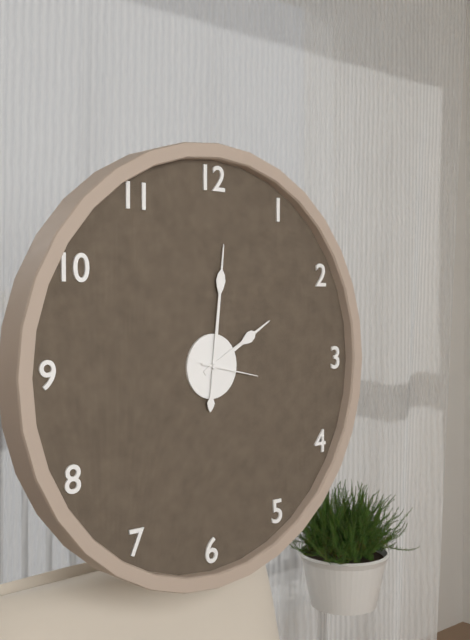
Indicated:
2.01.17
